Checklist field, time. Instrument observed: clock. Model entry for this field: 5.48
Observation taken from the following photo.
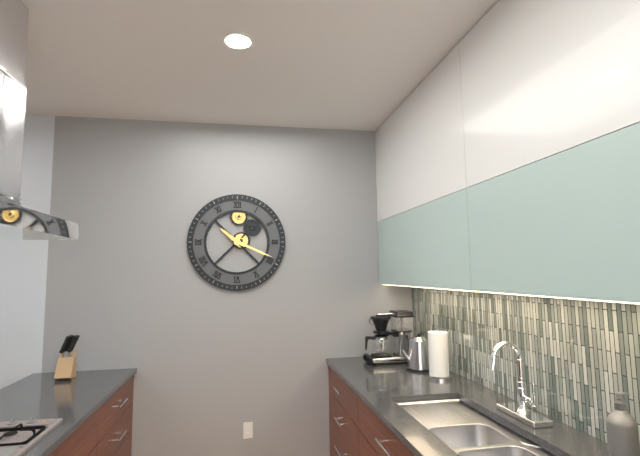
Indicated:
10.19
